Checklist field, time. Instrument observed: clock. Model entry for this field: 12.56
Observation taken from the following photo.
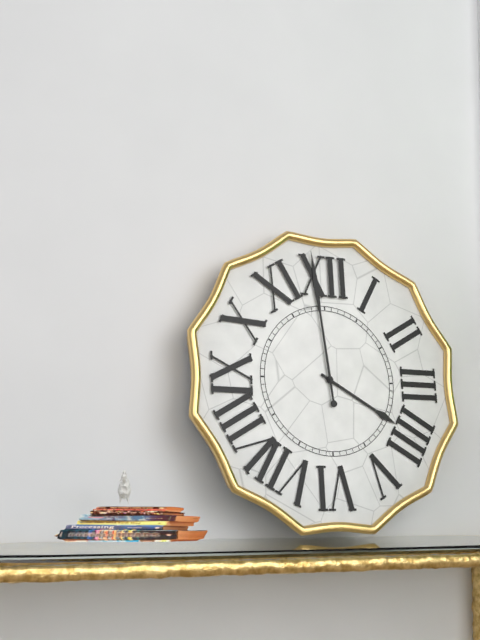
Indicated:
3.59
